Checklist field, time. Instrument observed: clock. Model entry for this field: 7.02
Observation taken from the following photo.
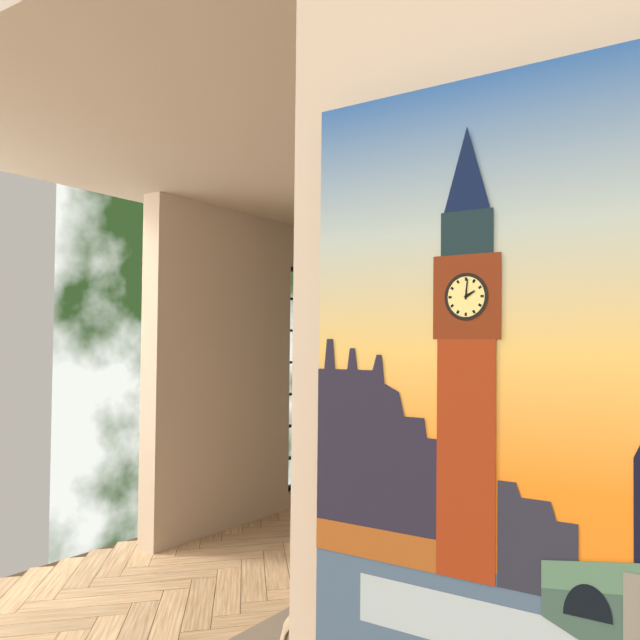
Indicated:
2.01
